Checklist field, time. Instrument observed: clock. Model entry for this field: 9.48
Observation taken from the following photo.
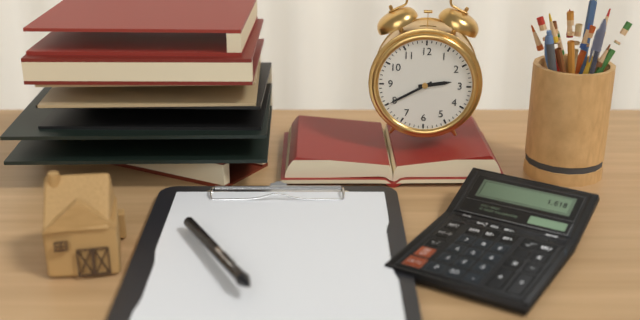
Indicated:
2.40
